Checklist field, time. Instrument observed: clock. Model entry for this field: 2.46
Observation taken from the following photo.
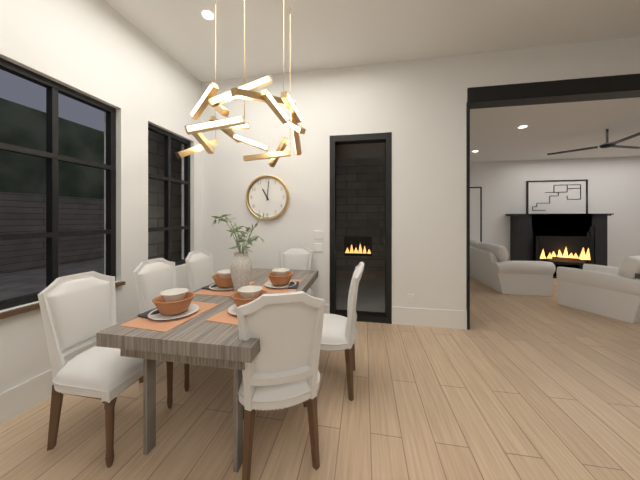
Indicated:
11.01
